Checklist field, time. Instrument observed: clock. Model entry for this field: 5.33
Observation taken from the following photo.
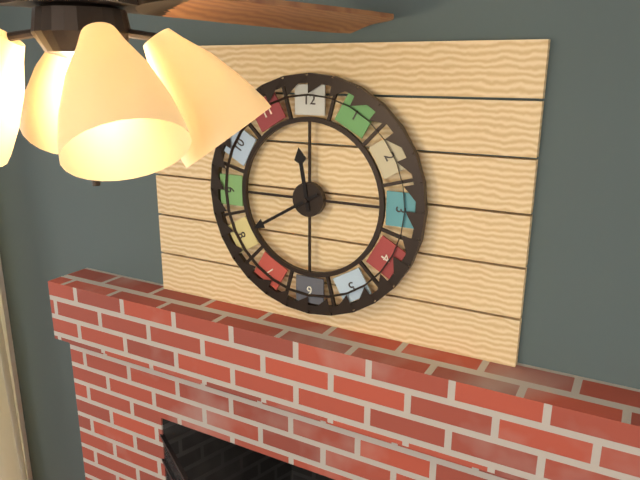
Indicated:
11.40
